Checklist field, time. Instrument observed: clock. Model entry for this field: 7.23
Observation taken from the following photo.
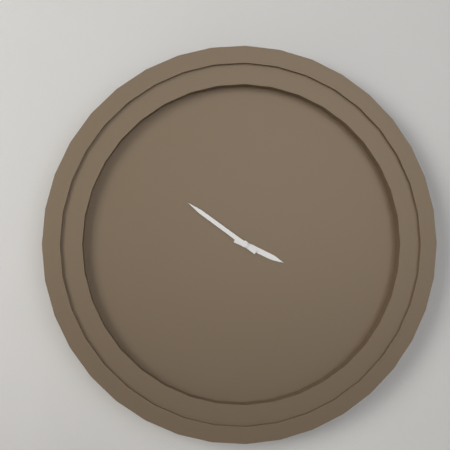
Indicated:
3.51
